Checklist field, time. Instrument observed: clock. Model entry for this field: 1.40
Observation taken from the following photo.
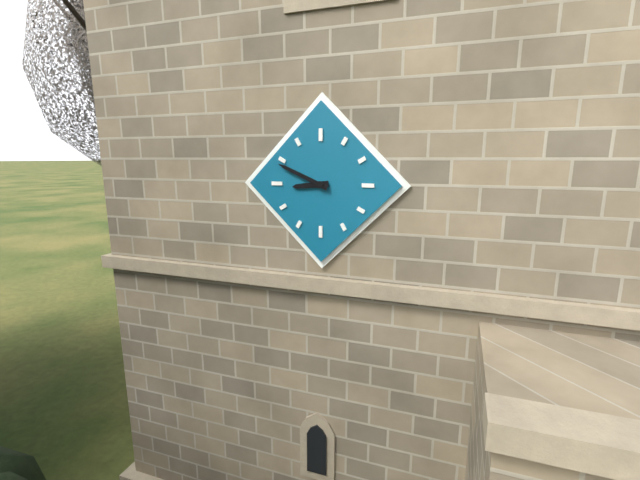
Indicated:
8.49
